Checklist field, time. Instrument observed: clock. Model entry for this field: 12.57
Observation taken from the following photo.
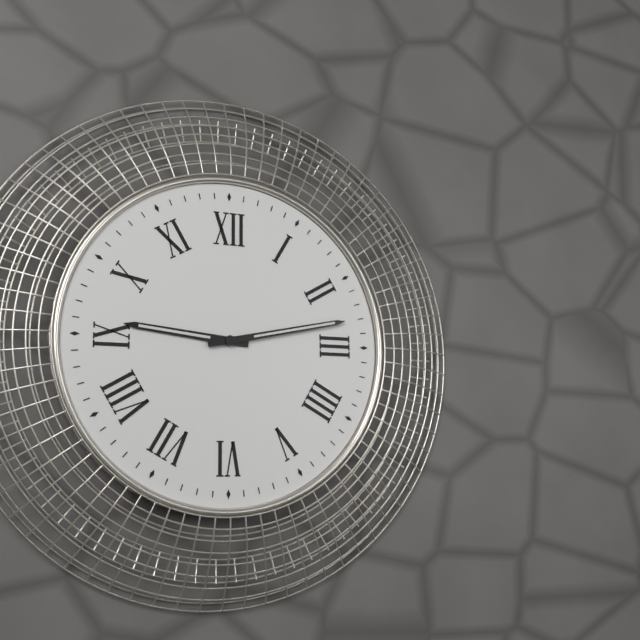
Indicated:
9.13
